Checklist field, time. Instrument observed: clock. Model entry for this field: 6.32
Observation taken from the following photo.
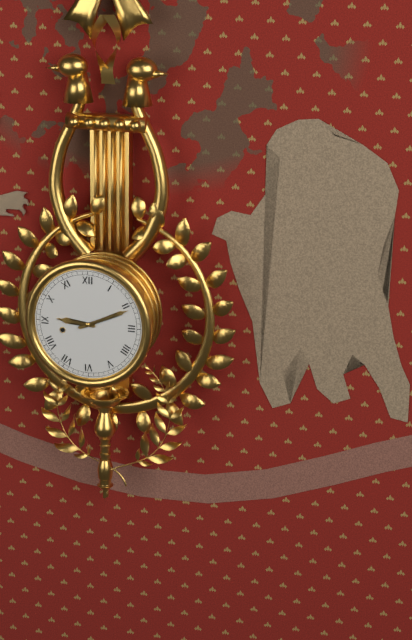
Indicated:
9.11
